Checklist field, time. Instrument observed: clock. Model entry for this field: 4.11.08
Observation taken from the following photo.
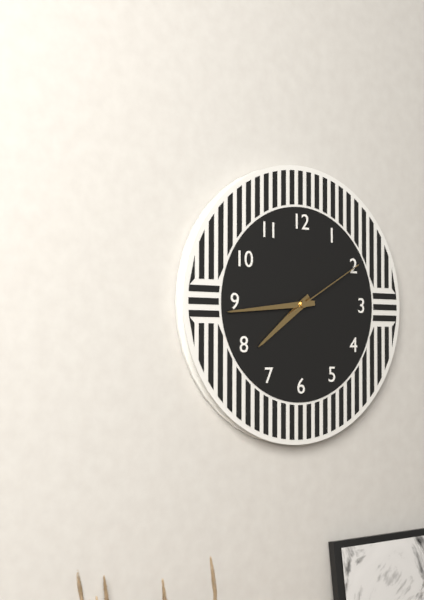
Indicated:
7.44.10
